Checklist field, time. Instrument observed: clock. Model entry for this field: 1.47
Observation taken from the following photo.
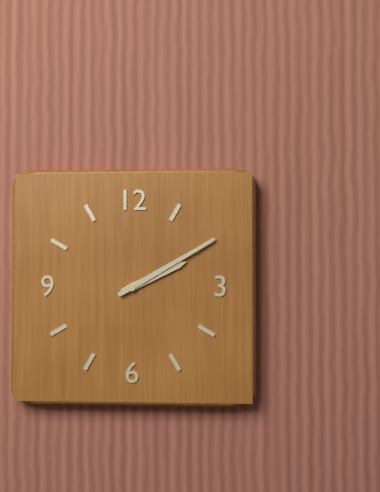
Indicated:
2.10
